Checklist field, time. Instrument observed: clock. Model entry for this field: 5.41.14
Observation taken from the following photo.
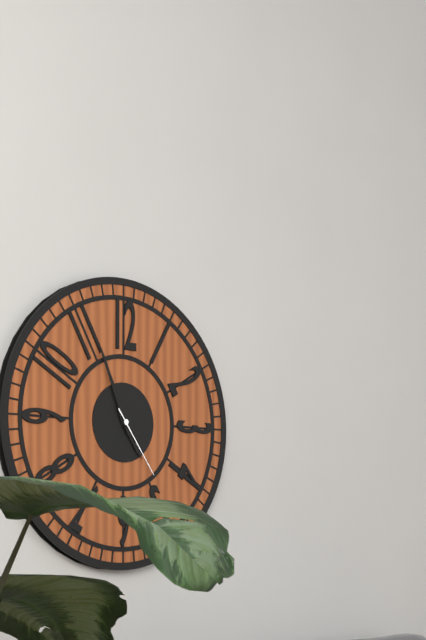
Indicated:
4.56.24
